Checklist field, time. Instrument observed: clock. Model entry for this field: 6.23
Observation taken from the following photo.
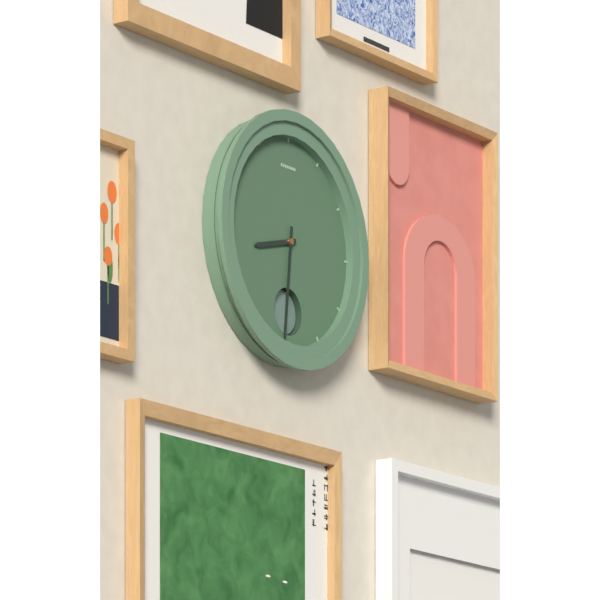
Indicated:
8.31
